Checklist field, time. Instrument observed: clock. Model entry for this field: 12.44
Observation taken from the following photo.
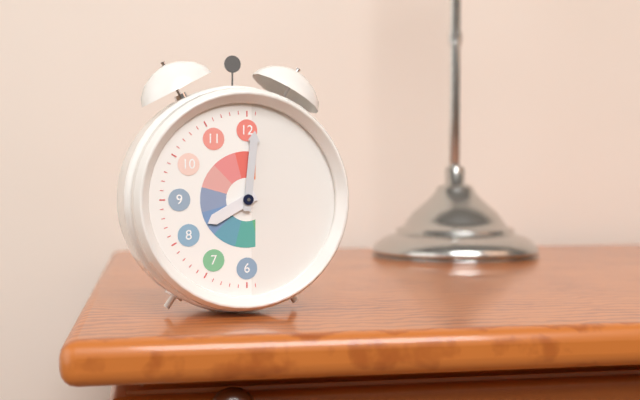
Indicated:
8.01
